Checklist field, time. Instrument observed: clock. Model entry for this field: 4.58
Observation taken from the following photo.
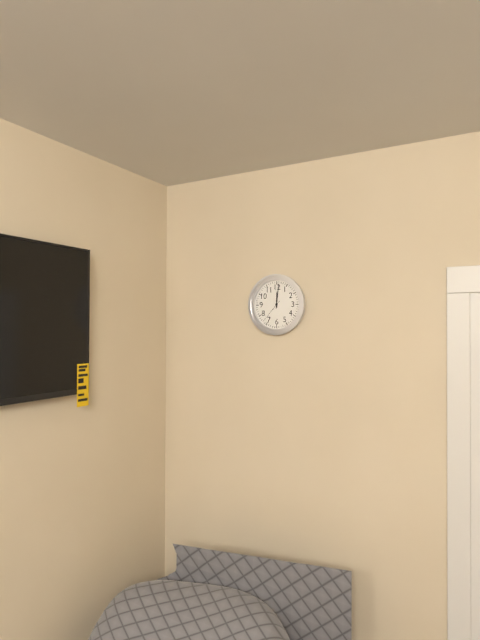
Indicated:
12.01
